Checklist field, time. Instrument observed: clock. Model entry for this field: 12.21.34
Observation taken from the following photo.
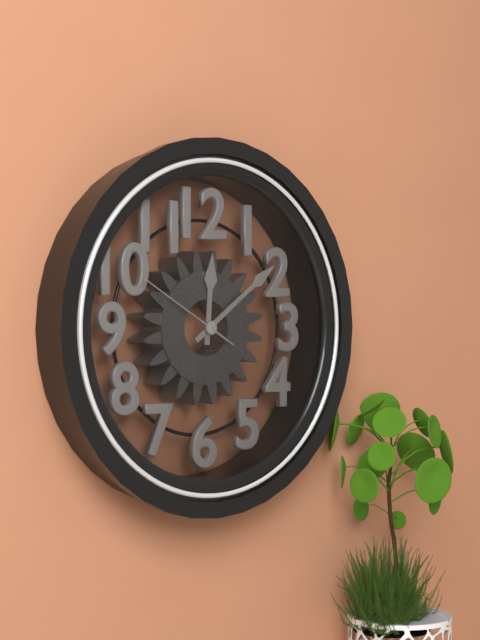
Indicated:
12.09.50
